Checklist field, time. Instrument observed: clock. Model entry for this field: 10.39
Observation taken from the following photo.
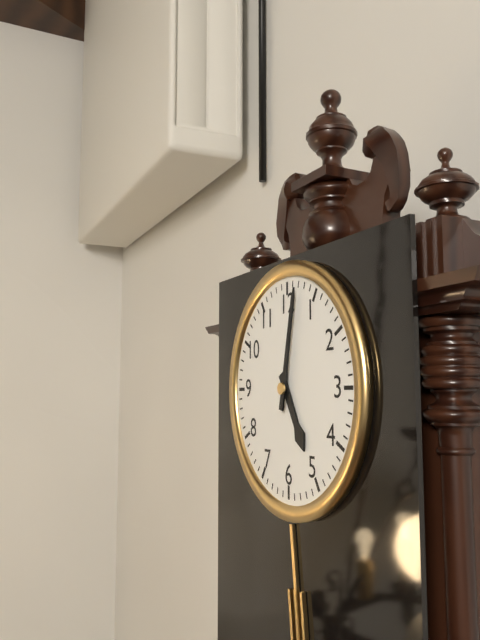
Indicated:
5.02
